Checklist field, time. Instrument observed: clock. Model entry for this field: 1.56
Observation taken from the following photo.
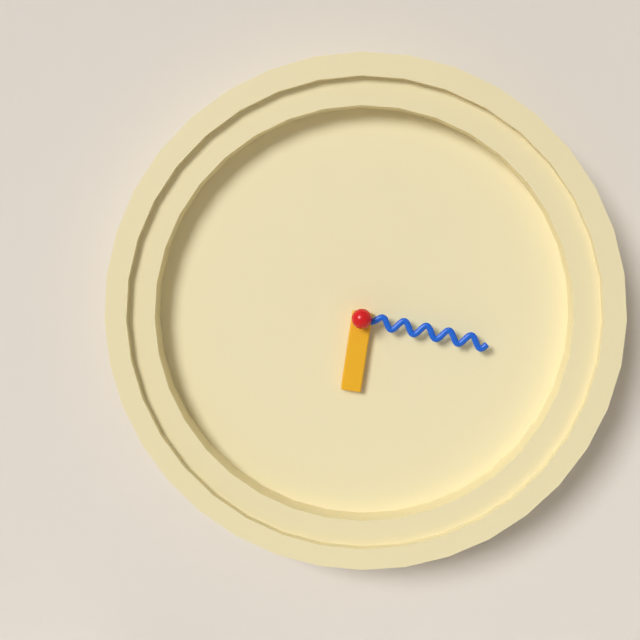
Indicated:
6.17
